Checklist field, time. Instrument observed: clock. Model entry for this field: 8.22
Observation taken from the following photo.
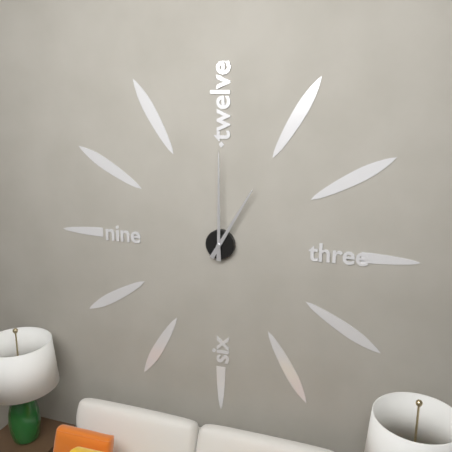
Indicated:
1.00
